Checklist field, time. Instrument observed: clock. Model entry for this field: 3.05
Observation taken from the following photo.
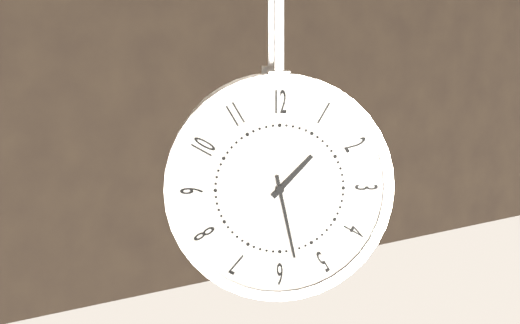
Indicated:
1.28
